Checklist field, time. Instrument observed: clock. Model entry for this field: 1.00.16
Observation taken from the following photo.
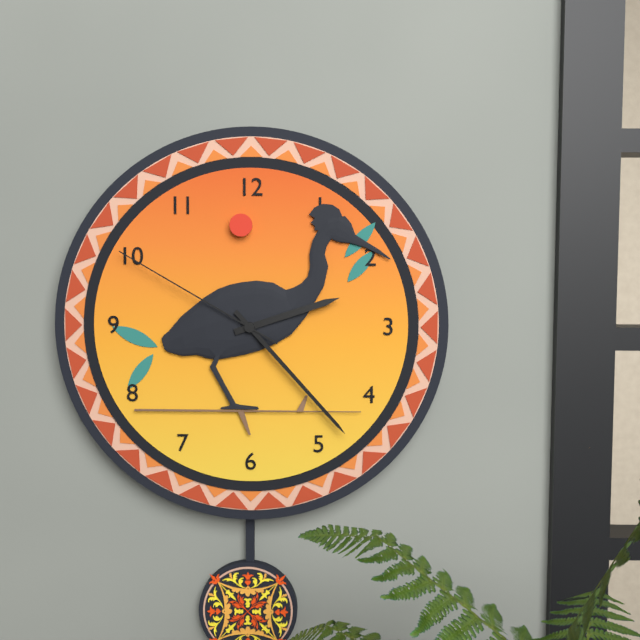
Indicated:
2.23.50
